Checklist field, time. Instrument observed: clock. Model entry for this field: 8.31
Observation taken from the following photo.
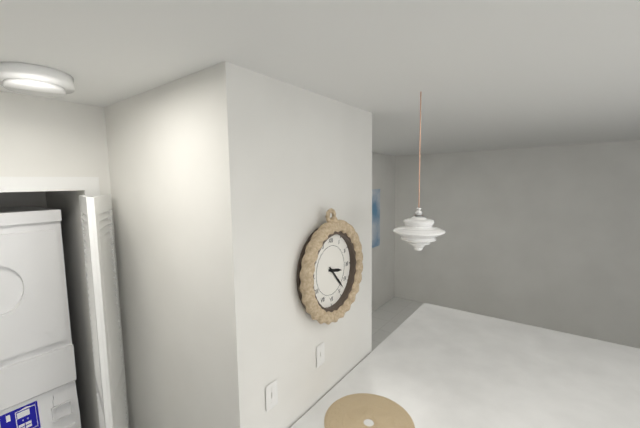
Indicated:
3.23
